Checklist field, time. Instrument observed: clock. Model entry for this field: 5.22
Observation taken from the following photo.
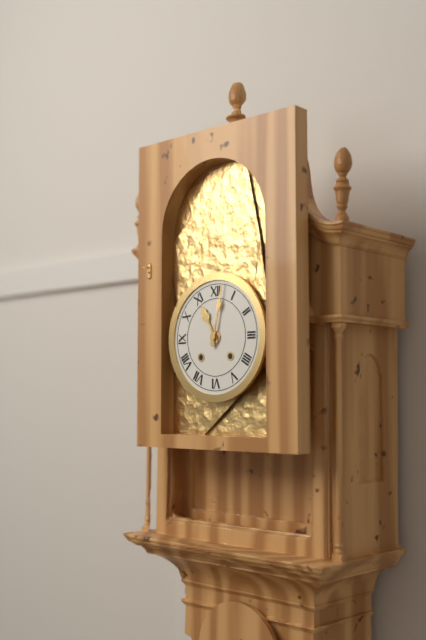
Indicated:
11.02
